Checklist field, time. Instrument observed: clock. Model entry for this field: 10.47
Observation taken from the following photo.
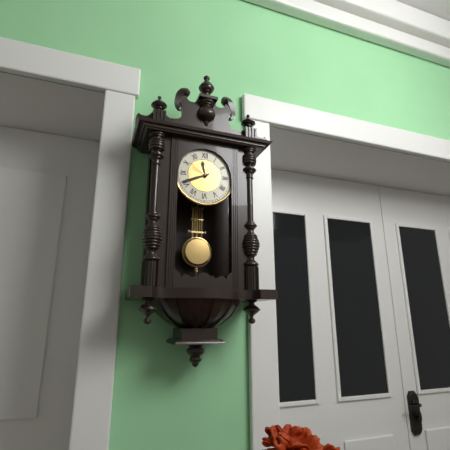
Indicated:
11.41
